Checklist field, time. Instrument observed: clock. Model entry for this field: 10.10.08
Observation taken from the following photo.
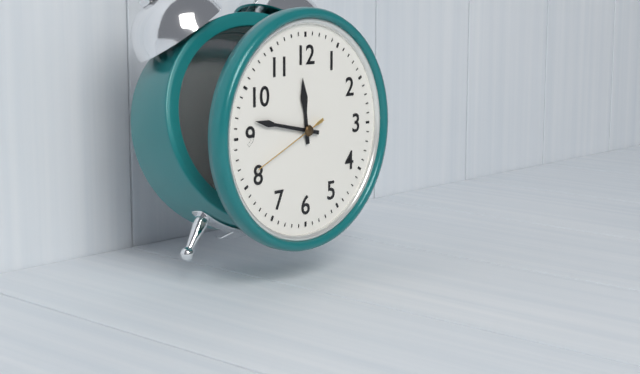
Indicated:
11.47.41
